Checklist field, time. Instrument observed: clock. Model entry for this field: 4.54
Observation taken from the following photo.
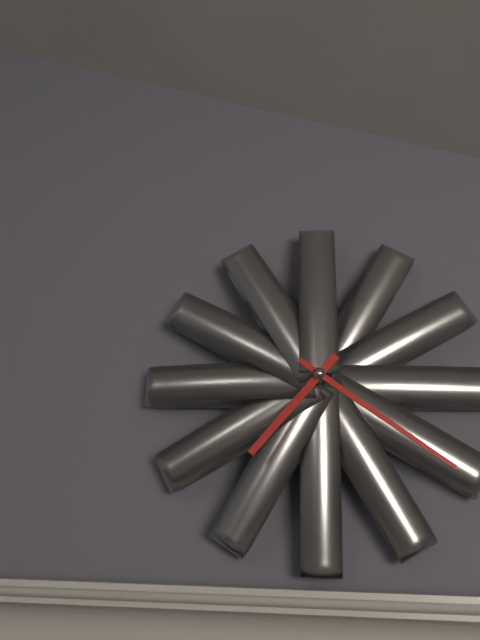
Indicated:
7.21
